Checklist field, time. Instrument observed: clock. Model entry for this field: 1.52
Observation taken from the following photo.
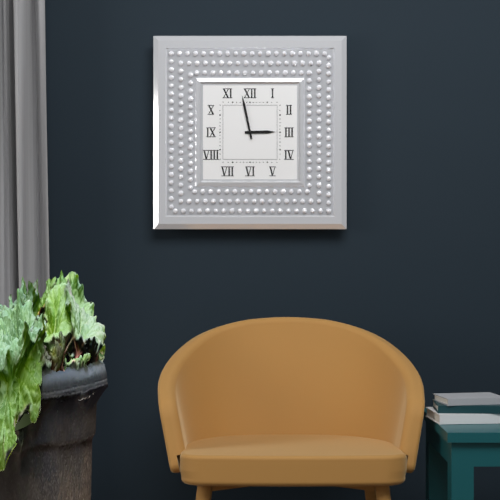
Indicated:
2.58
